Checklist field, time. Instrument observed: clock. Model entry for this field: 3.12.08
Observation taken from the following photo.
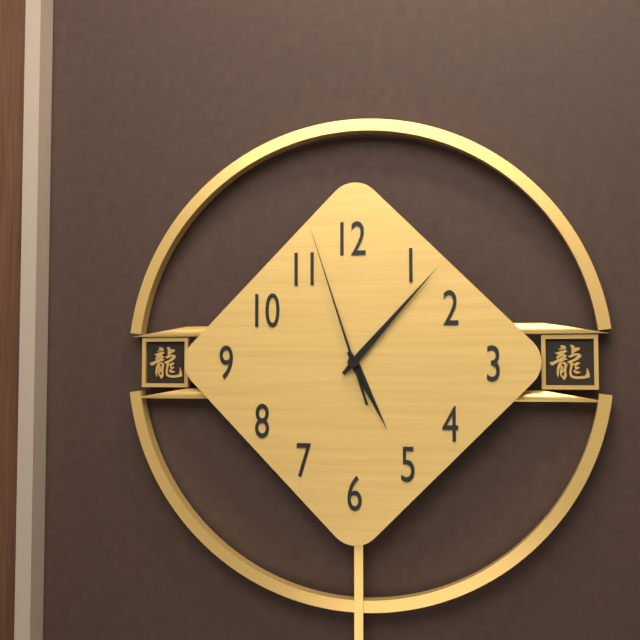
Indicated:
5.07.57
